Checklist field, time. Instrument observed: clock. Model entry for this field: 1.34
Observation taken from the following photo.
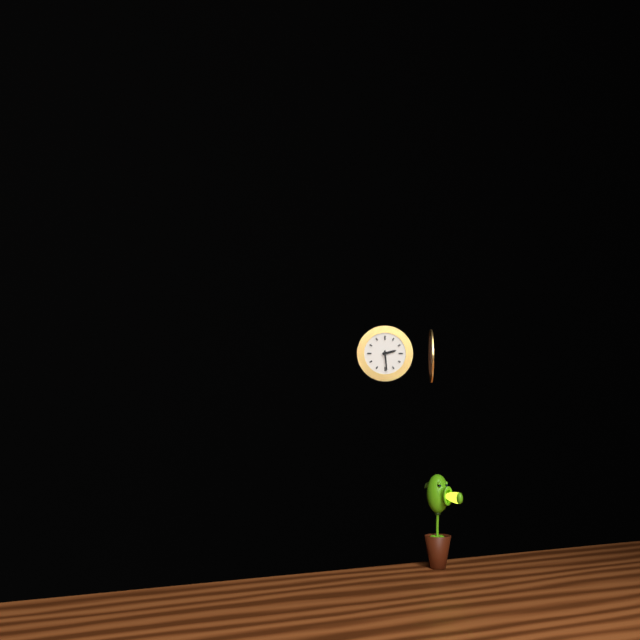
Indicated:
2.29
